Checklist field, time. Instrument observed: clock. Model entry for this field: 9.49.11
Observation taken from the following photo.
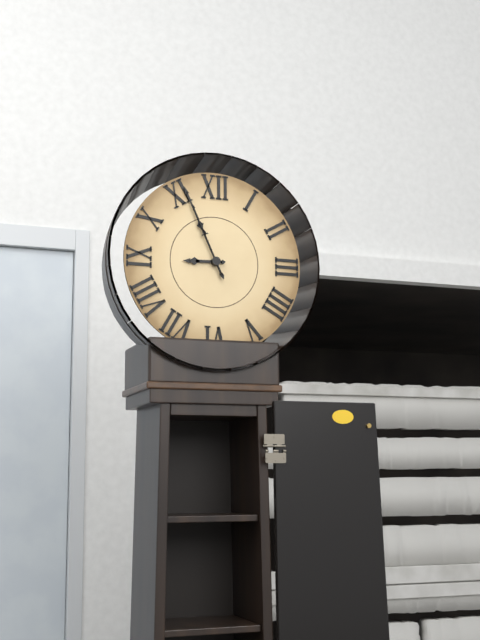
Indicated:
8.56.56
